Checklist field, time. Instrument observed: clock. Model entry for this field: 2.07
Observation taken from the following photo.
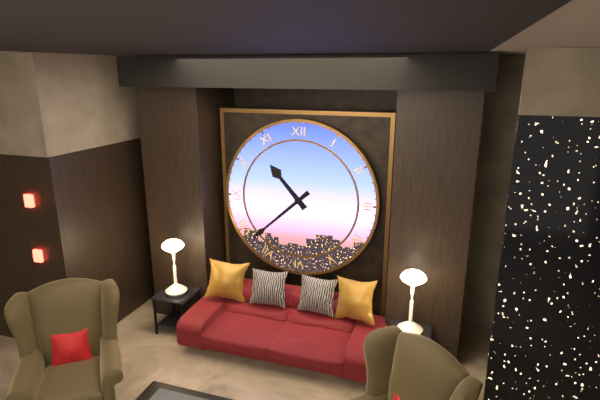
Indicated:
10.38
